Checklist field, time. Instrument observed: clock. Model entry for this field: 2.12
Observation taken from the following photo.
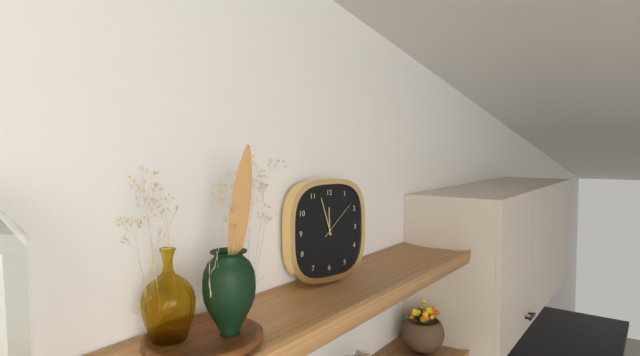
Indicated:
11.57
